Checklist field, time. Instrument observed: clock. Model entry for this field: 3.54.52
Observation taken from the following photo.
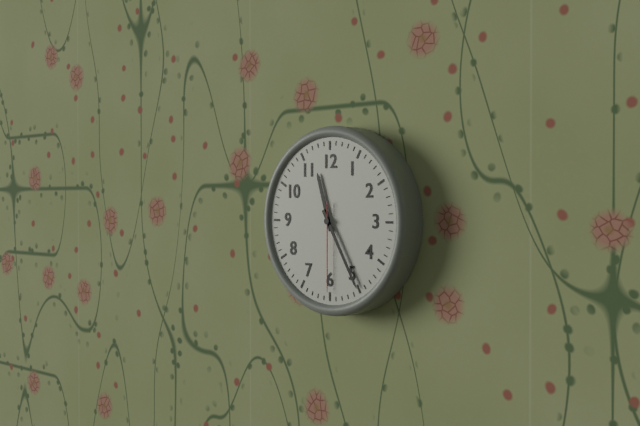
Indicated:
11.25.30
